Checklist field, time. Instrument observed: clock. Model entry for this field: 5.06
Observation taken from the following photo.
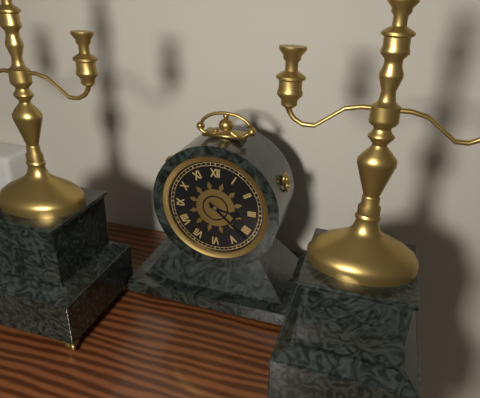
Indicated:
3.22
